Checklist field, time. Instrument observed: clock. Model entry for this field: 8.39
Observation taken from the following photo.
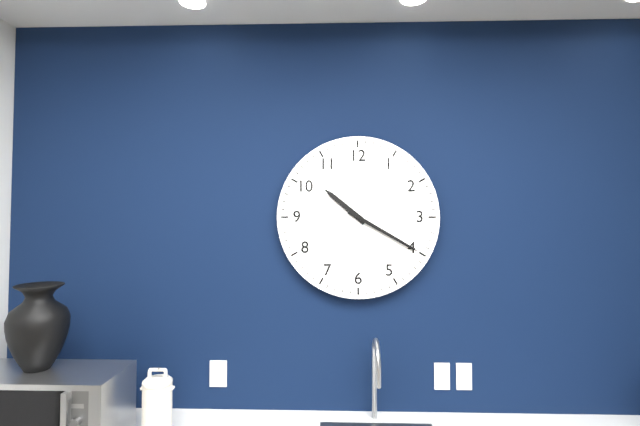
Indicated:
10.20
